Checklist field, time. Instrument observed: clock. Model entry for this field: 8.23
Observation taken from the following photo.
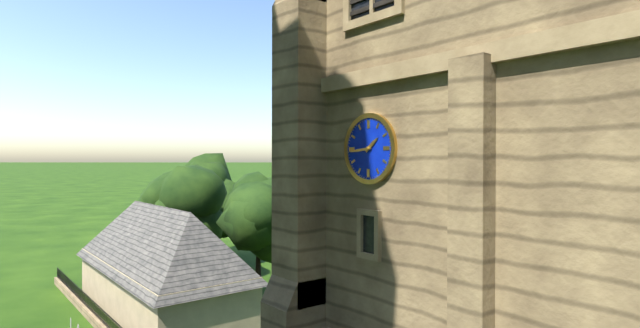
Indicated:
1.44
